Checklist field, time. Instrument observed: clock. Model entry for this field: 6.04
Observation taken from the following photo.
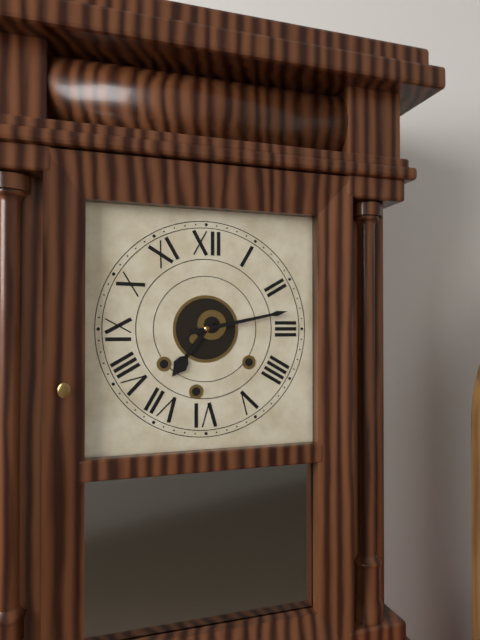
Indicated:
7.13
